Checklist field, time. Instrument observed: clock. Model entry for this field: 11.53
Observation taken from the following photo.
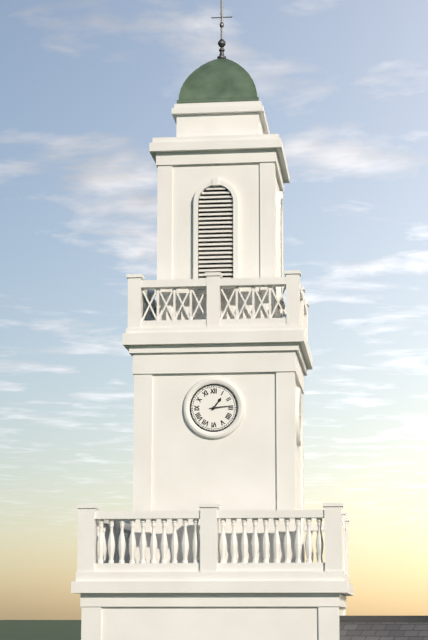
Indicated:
1.14
